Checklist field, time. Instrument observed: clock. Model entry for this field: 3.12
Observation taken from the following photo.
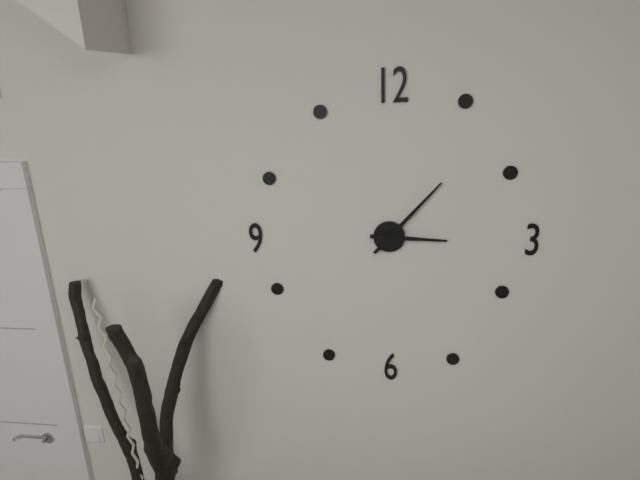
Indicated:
3.07
